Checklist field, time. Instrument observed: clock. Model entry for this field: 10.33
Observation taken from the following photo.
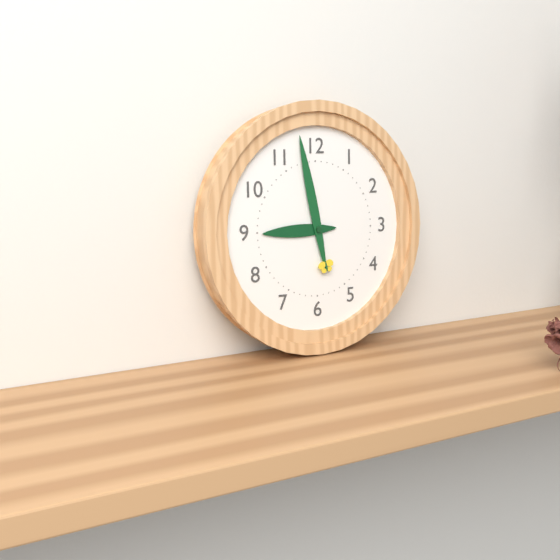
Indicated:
8.58
